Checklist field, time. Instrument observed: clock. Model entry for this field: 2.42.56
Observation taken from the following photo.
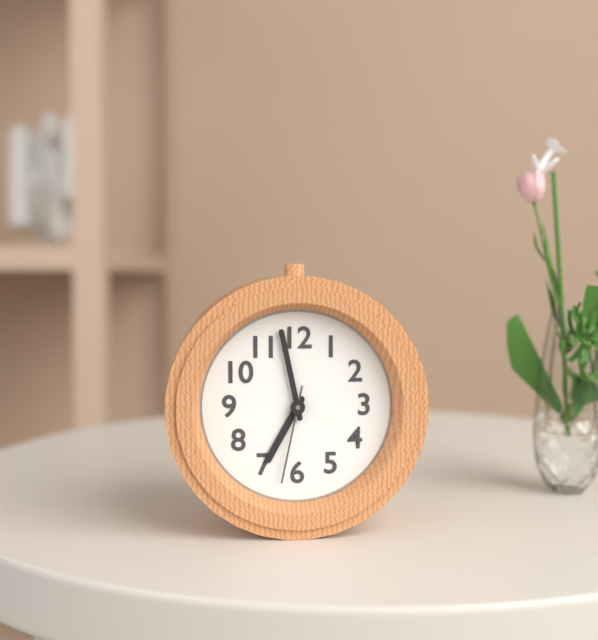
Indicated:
6.58.32
